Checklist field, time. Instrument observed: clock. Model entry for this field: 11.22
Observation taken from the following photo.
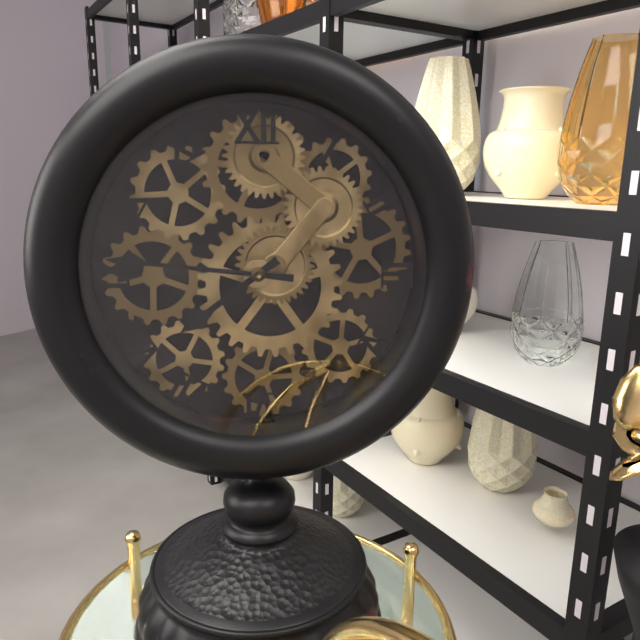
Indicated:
7.46
